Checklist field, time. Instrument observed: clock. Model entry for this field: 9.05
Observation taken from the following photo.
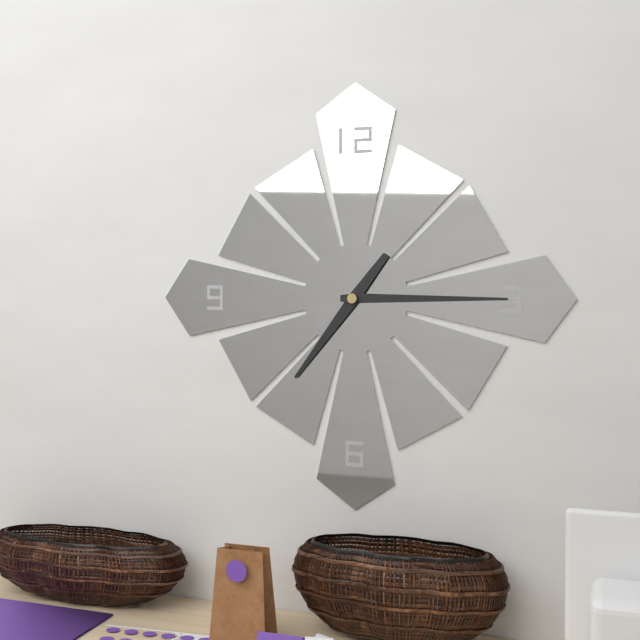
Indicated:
7.15
